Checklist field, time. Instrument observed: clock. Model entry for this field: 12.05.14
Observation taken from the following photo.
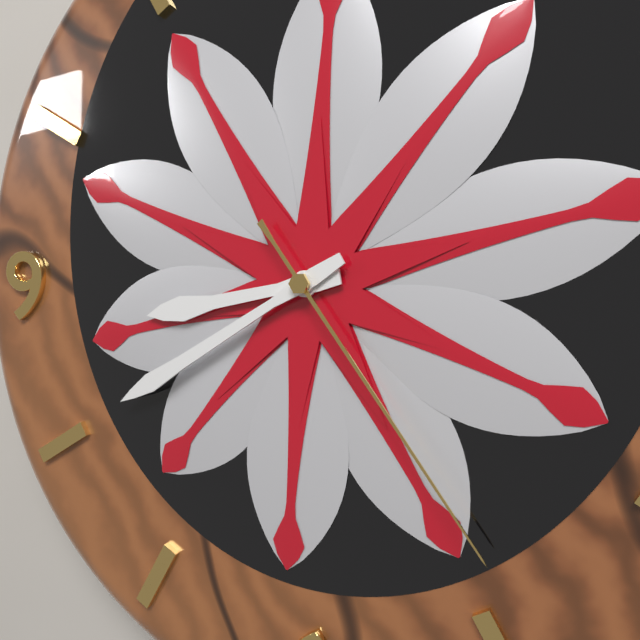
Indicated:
8.40.24
